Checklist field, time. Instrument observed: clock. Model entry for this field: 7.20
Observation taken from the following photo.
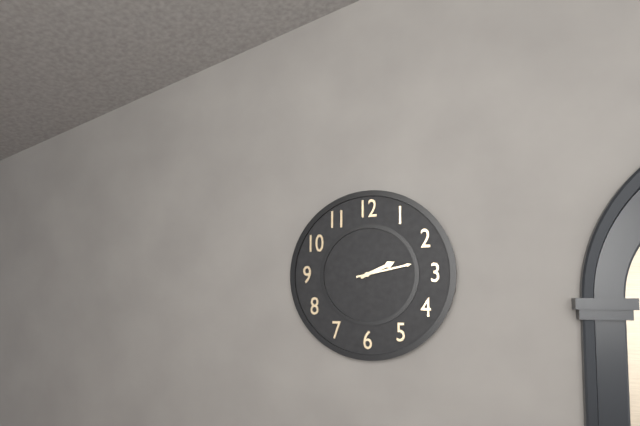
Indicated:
2.13
